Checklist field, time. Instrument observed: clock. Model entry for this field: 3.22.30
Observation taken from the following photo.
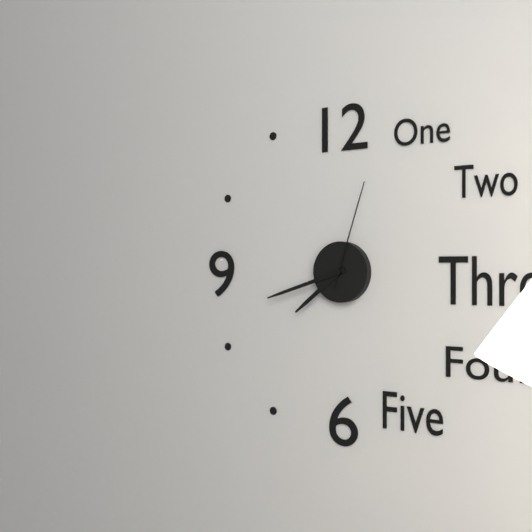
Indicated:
7.42.03
